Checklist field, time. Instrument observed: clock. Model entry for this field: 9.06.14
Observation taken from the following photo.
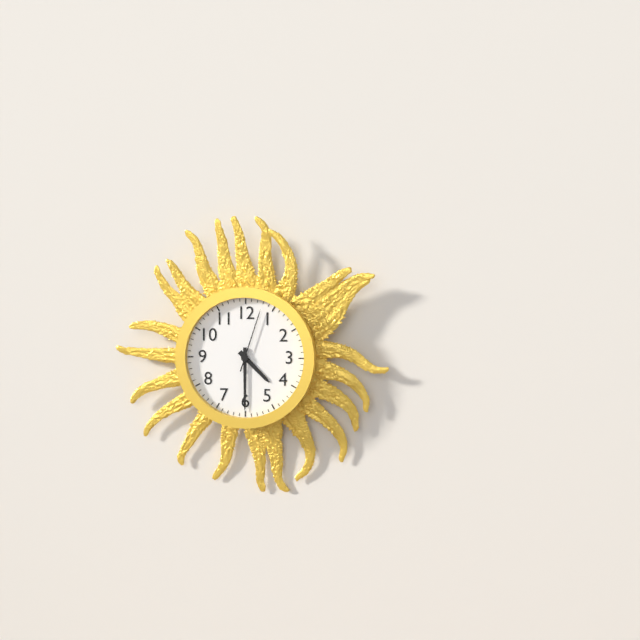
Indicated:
4.30.03
